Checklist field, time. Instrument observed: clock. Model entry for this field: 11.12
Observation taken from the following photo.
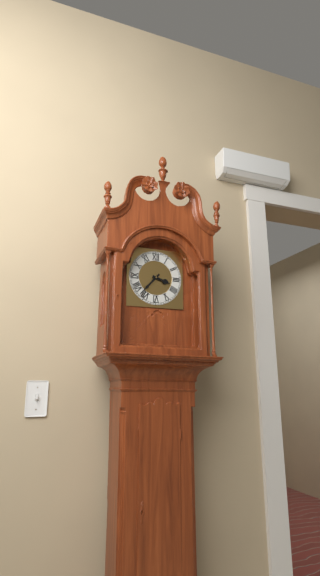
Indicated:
3.37
